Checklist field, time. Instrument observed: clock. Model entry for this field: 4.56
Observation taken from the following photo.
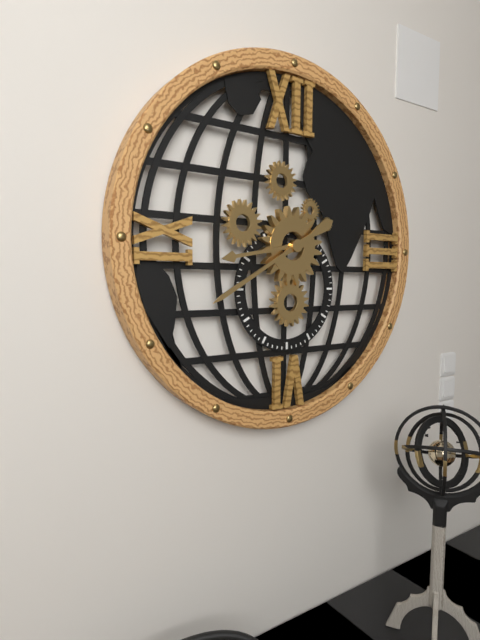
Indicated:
8.40
